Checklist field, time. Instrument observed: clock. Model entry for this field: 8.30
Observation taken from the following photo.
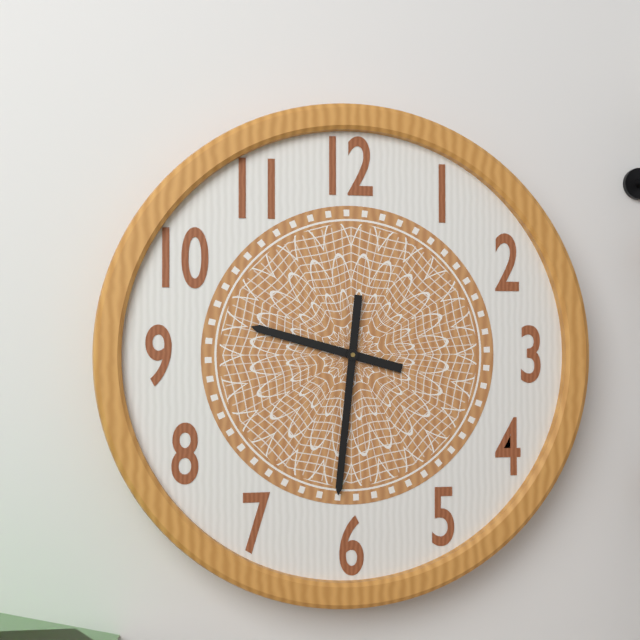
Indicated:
9.31
